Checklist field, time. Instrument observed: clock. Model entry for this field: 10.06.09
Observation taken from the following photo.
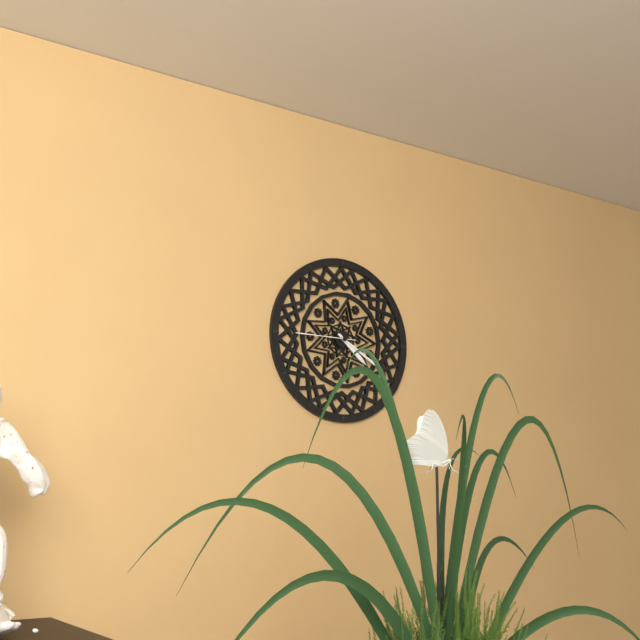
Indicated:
4.20.45
